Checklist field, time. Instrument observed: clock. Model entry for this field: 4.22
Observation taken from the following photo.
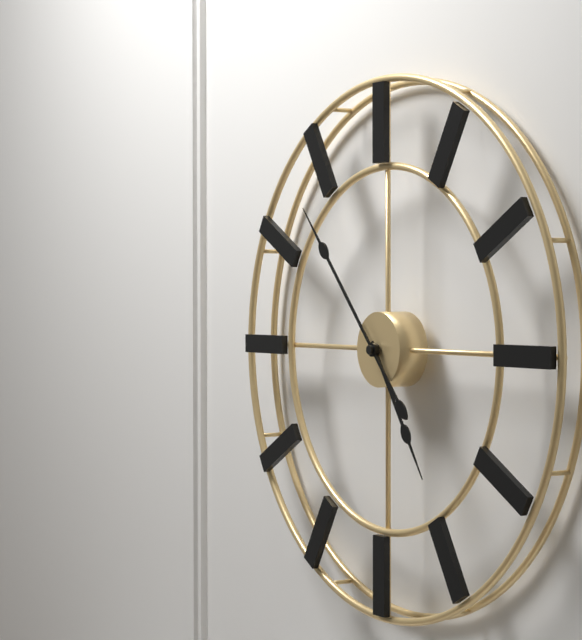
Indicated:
4.53
